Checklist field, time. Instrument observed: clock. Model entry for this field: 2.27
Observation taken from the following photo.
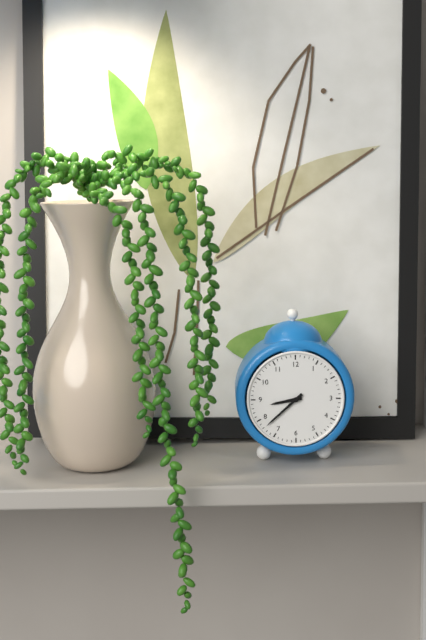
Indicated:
8.38
